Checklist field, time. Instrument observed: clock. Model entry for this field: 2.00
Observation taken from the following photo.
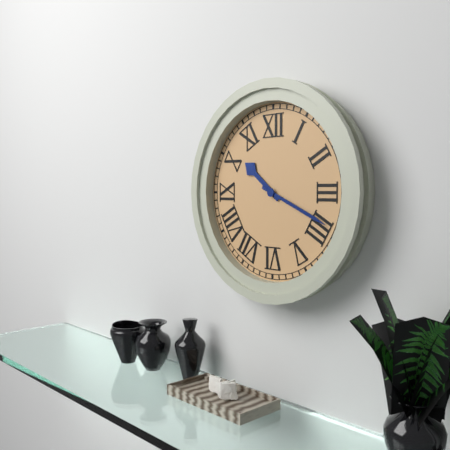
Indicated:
10.19
